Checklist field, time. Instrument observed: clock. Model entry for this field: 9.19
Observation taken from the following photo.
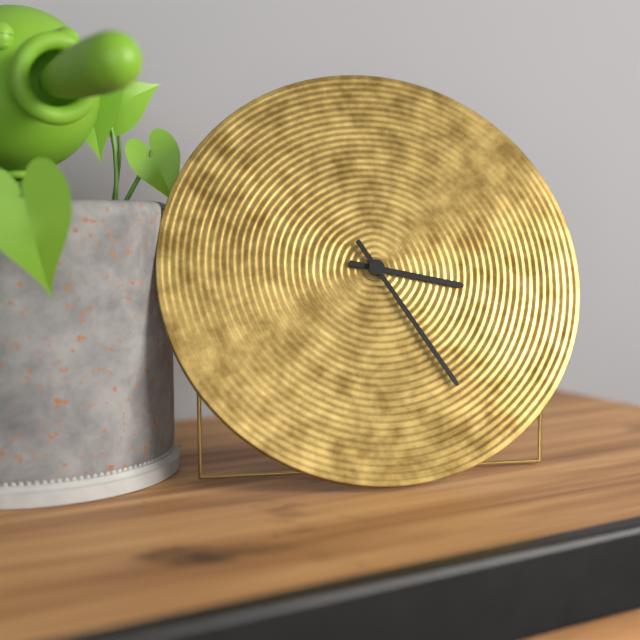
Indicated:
3.25
